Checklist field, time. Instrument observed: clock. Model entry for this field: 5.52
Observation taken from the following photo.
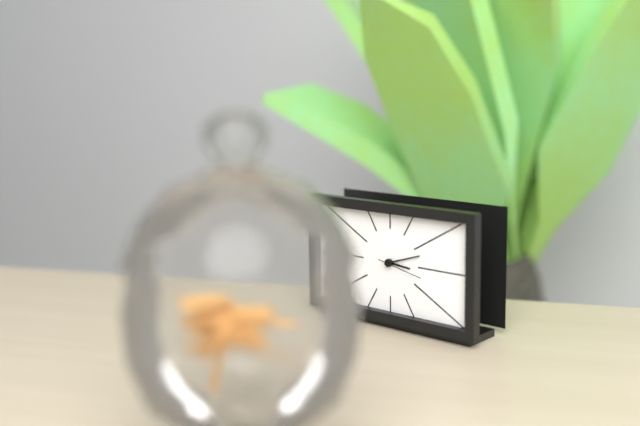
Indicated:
3.12
